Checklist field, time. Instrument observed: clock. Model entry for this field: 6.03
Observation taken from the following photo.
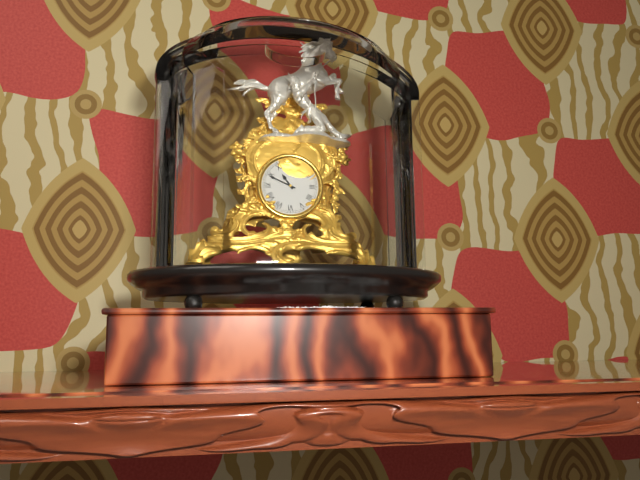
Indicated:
10.49
